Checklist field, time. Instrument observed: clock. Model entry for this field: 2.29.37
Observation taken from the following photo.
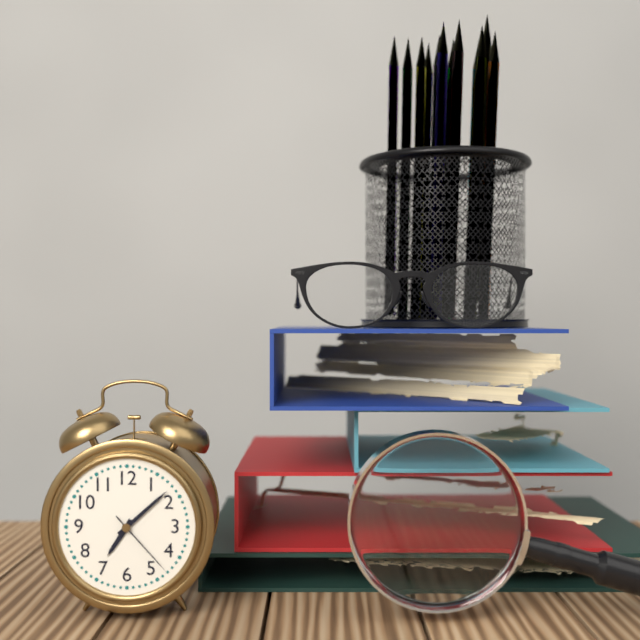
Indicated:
7.08.23
